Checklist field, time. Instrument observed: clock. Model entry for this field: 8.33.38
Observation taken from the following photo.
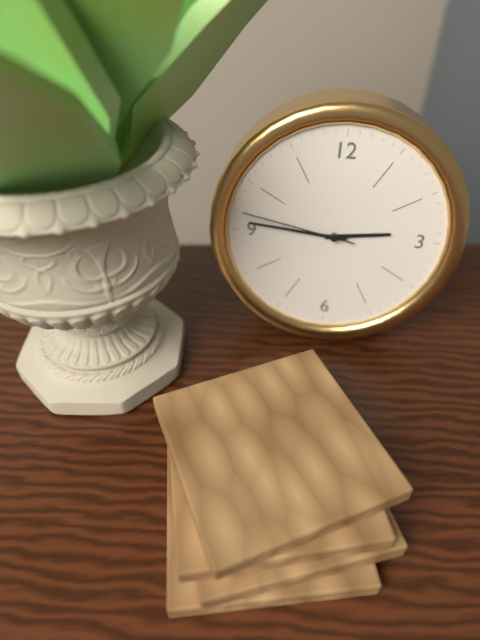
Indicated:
2.46.47
